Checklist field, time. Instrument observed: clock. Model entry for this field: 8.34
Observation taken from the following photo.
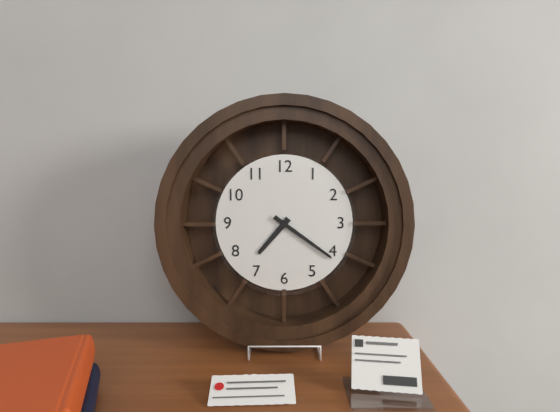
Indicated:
7.21
